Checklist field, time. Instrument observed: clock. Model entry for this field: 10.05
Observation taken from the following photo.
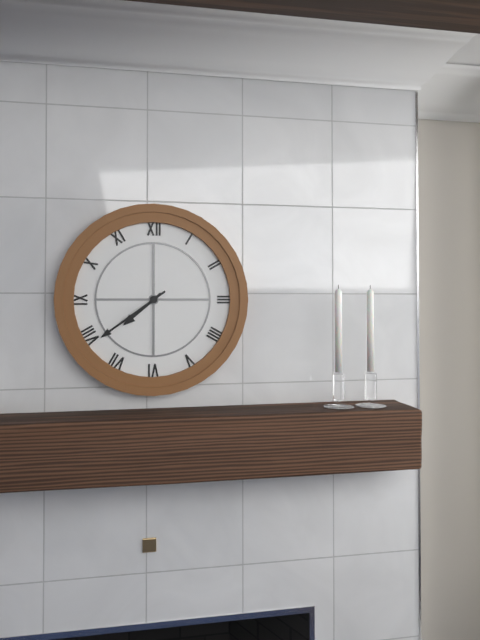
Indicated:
7.39
